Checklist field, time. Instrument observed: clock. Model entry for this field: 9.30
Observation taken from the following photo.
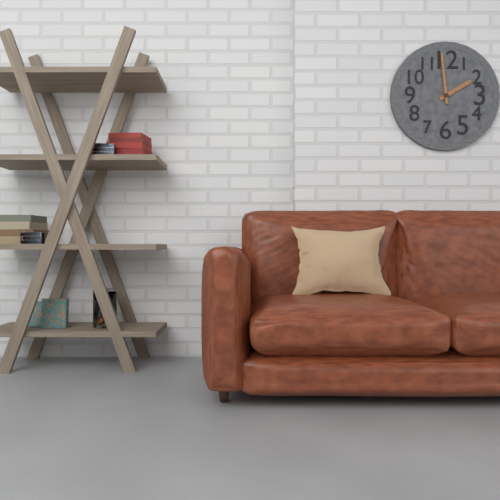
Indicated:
1.59
